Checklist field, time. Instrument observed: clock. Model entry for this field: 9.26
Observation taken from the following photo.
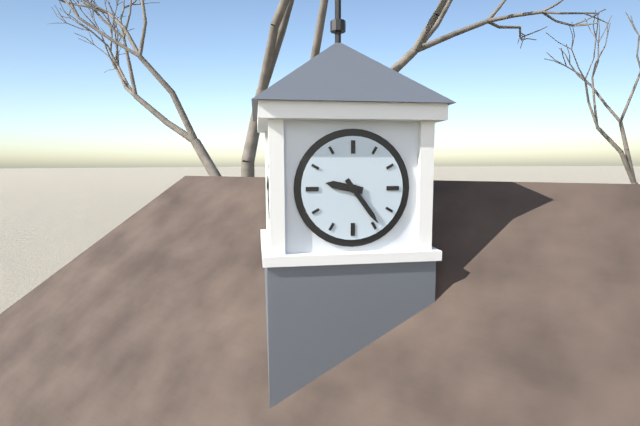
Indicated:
9.24
